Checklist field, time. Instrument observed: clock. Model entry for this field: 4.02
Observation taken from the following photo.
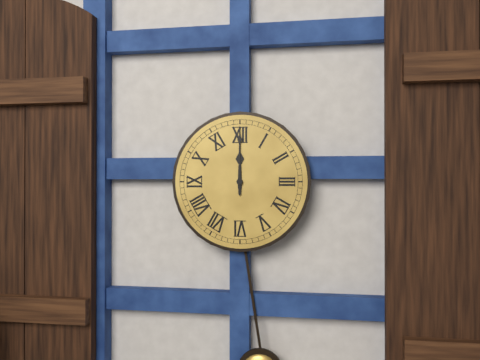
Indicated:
12.00
